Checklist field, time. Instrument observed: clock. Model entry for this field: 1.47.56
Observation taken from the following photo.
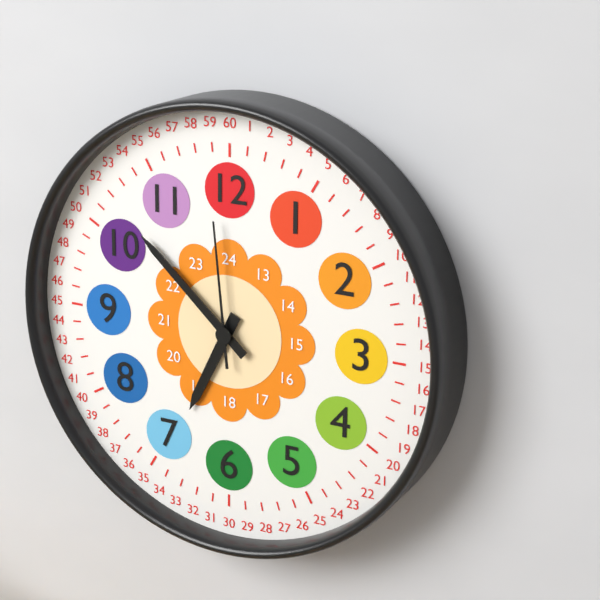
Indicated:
6.52.59
